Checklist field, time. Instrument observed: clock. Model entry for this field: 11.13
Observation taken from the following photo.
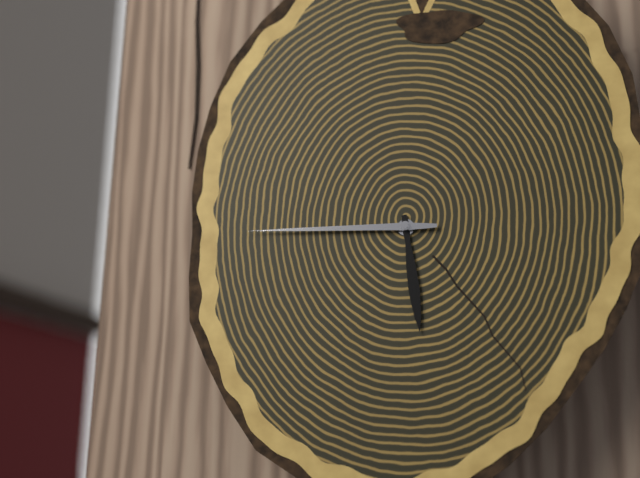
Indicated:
5.45
